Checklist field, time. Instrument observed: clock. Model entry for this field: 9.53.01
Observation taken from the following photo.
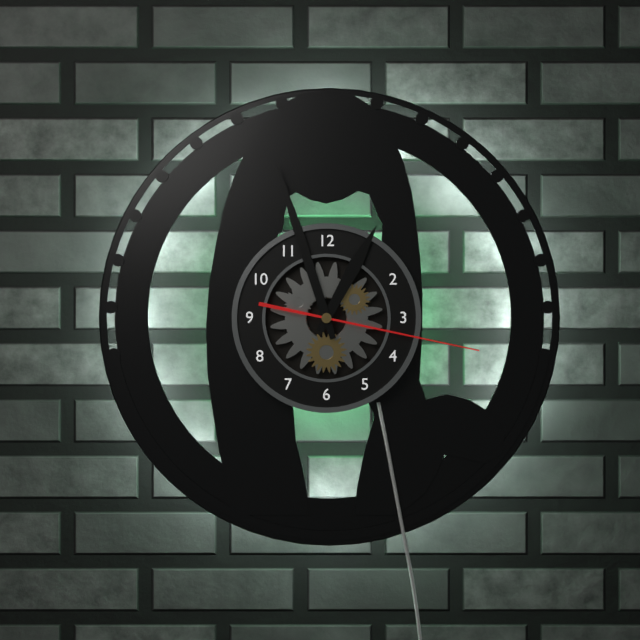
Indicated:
12.57.17
